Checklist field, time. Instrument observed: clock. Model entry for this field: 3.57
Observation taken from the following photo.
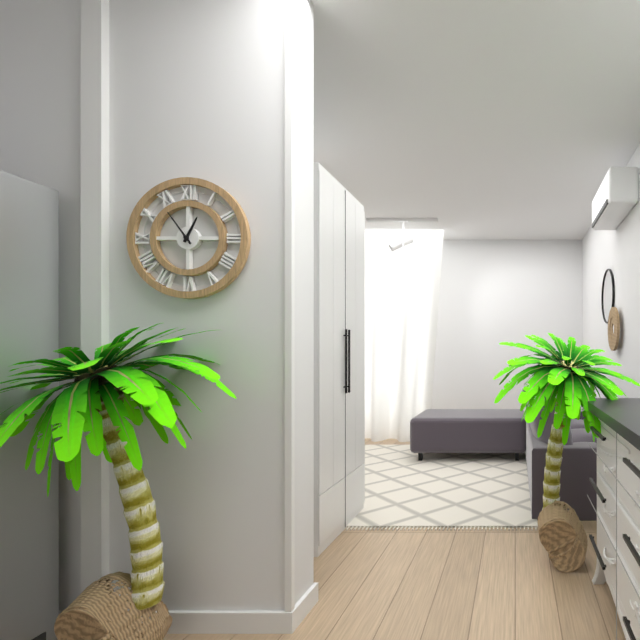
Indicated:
12.54
